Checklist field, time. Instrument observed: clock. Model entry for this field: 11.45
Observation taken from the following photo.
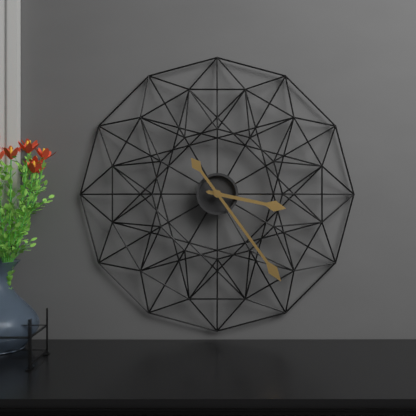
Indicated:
3.24
